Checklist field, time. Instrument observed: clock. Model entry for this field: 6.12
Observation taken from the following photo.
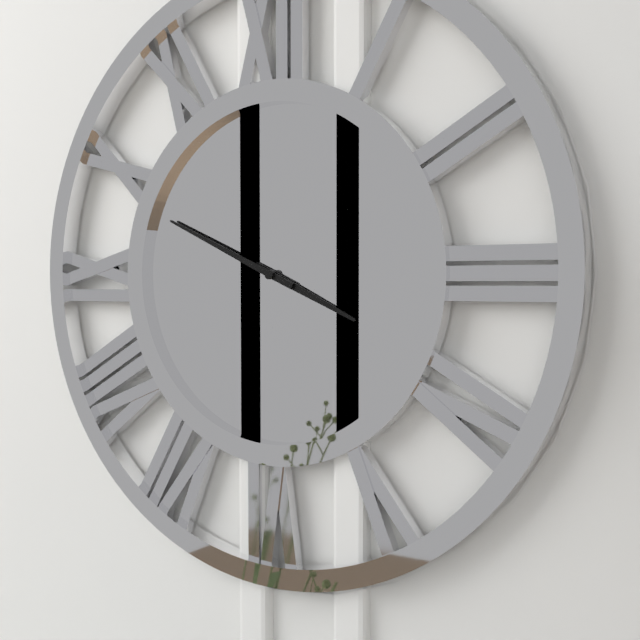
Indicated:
3.49
